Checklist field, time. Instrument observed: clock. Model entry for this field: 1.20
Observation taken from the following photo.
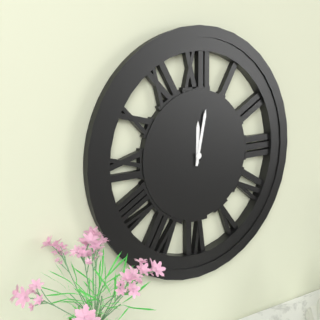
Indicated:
12.02
